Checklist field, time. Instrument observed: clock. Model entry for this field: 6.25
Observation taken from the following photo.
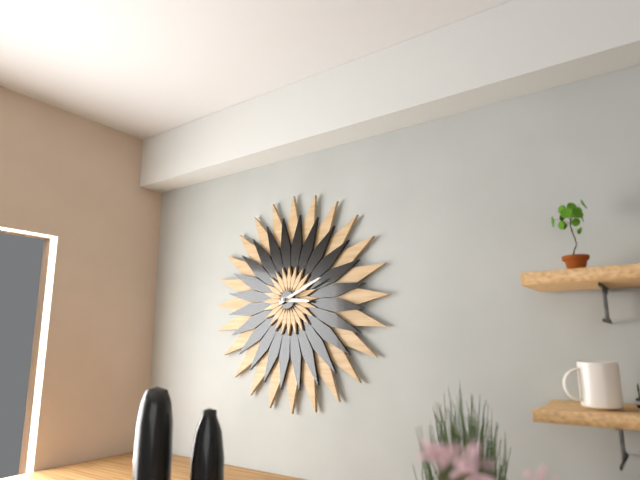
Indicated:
3.11
